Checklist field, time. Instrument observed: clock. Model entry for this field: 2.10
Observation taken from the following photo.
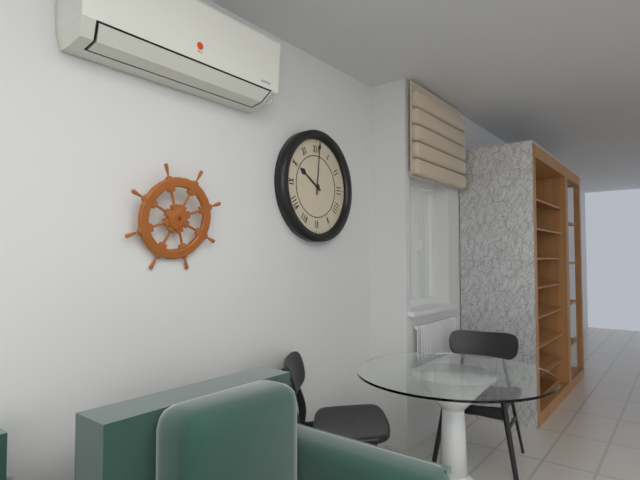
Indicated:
10.01
